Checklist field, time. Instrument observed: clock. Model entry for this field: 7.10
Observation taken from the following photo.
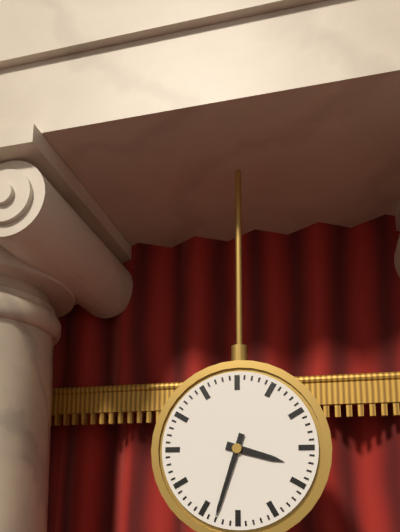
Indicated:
3.33
